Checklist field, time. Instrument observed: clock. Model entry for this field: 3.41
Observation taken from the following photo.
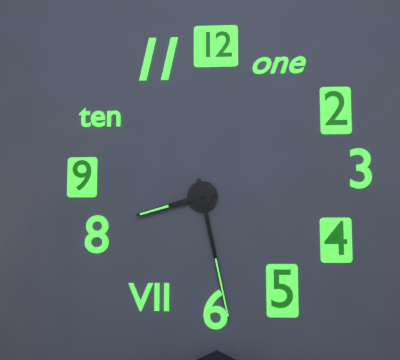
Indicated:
8.28
